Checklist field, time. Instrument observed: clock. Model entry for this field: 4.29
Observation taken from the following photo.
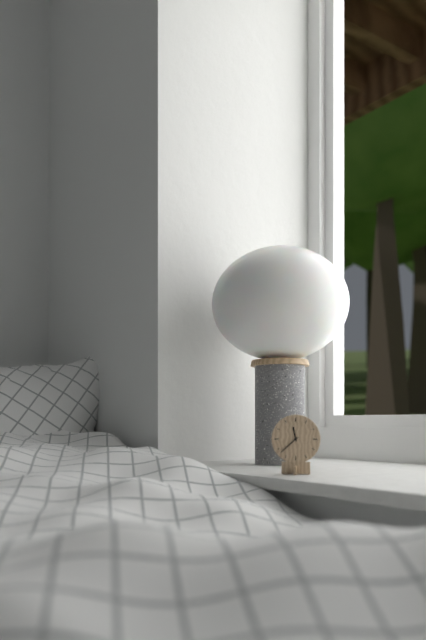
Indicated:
11.38
